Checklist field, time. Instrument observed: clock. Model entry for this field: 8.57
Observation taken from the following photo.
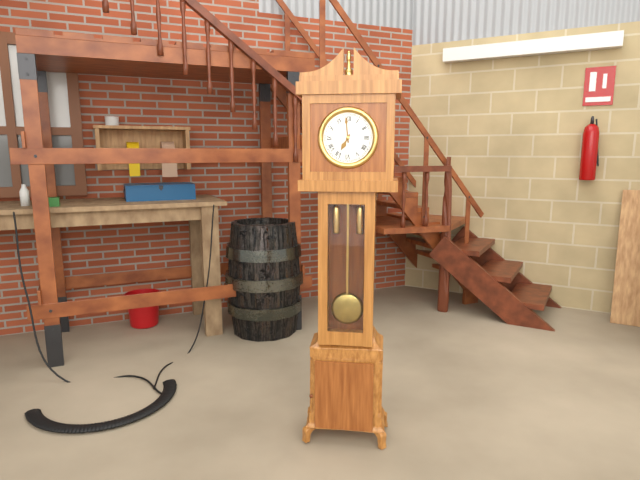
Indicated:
6.59
